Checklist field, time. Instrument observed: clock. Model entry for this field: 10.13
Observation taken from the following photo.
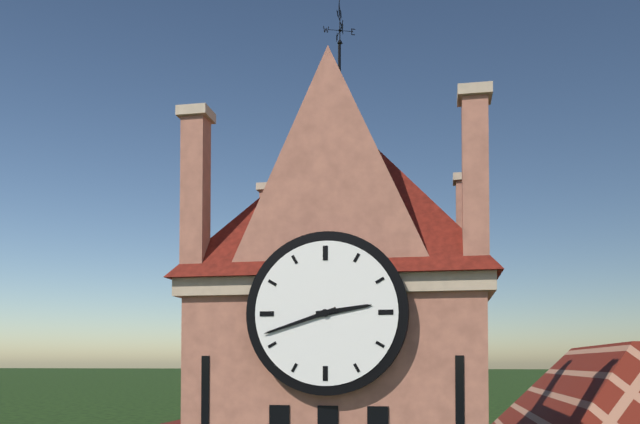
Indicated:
2.42
